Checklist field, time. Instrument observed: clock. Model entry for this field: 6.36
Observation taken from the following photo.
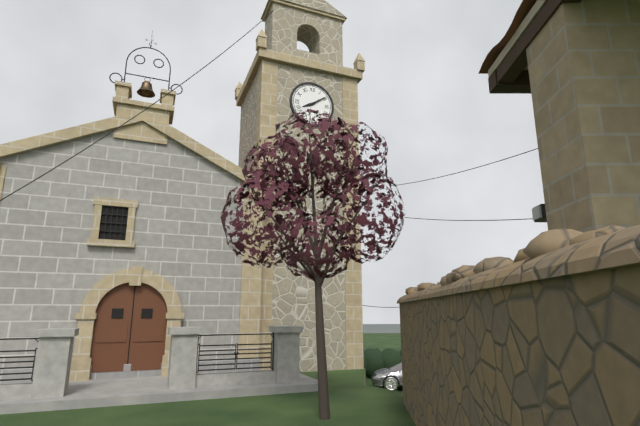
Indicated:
8.09
